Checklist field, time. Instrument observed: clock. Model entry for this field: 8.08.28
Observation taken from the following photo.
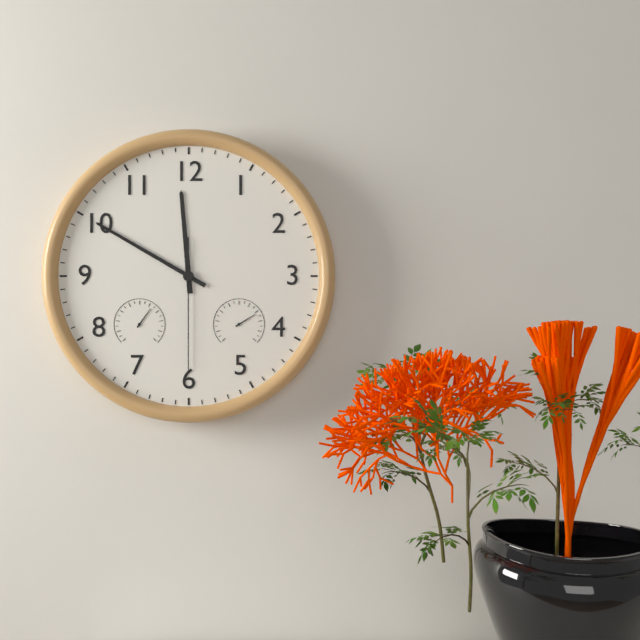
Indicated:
11.50.30
